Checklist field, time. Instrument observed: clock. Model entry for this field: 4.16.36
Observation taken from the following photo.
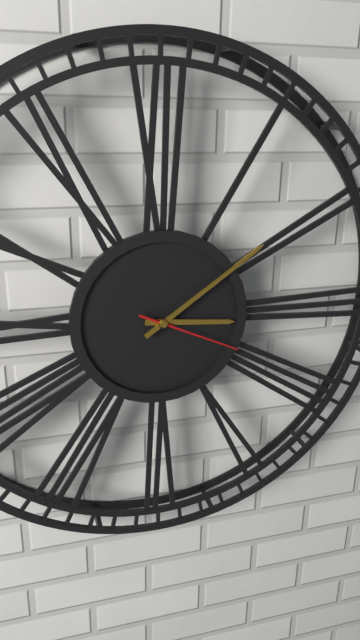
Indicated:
3.09.19
